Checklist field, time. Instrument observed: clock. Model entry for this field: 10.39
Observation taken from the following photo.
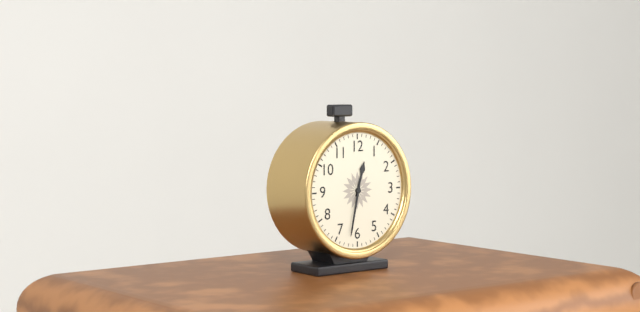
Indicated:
12.32
